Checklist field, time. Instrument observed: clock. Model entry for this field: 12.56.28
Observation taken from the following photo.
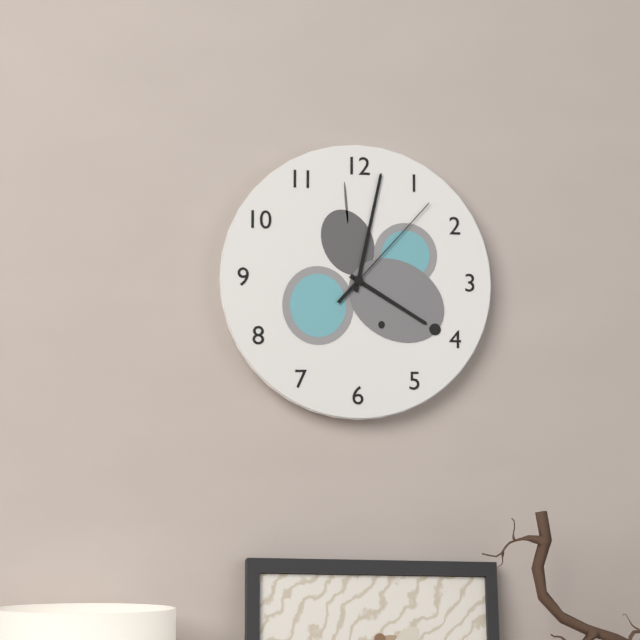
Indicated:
4.02.07
